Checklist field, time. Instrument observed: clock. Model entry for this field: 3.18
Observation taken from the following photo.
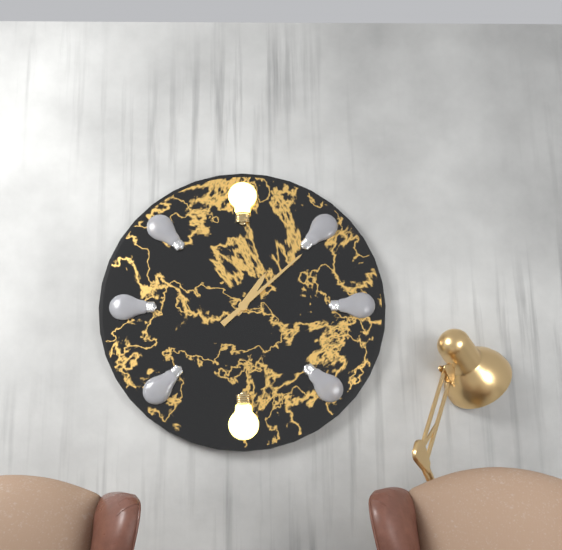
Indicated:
1.08
